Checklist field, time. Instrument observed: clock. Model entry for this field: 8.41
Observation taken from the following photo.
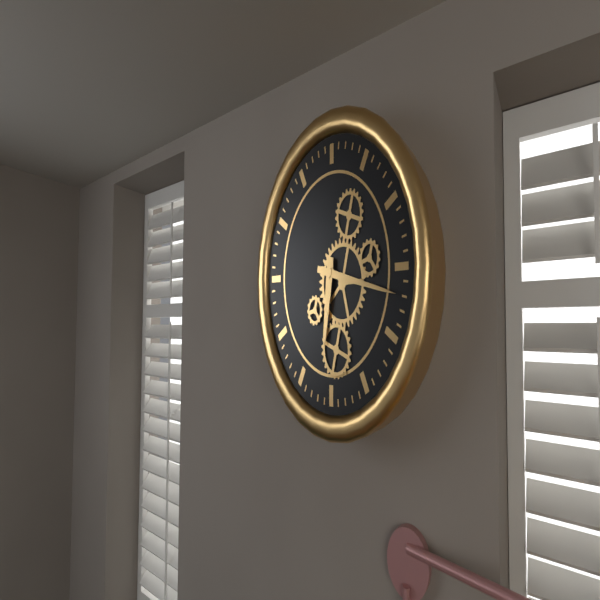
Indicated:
6.17
